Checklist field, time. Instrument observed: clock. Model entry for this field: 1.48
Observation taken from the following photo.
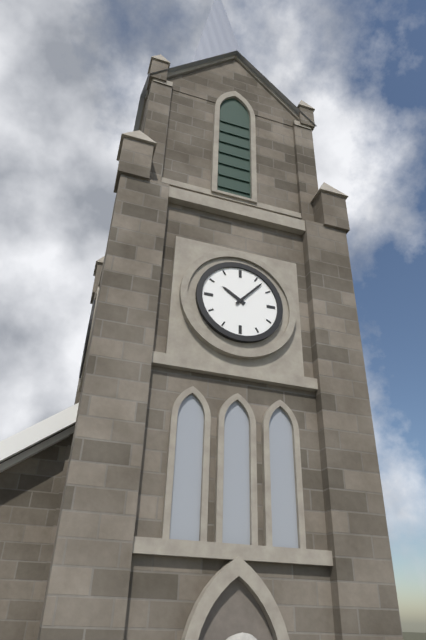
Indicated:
10.07
